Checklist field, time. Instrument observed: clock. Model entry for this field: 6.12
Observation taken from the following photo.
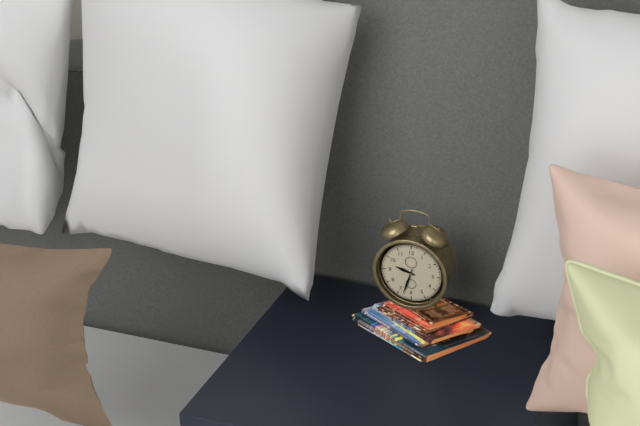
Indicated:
9.33
